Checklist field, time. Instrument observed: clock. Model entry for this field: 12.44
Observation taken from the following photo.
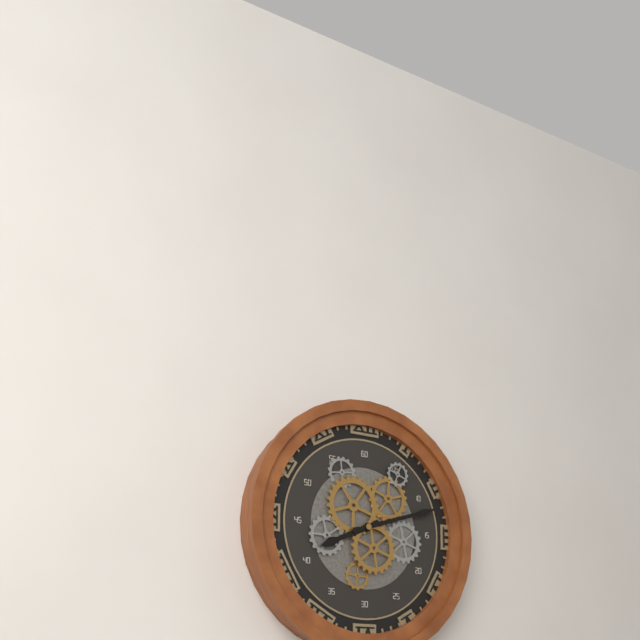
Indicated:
8.12
